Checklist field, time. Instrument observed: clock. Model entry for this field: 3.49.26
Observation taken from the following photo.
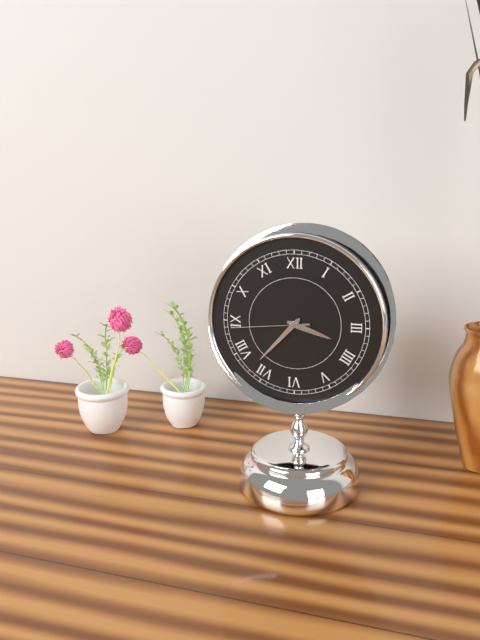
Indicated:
3.37.44
